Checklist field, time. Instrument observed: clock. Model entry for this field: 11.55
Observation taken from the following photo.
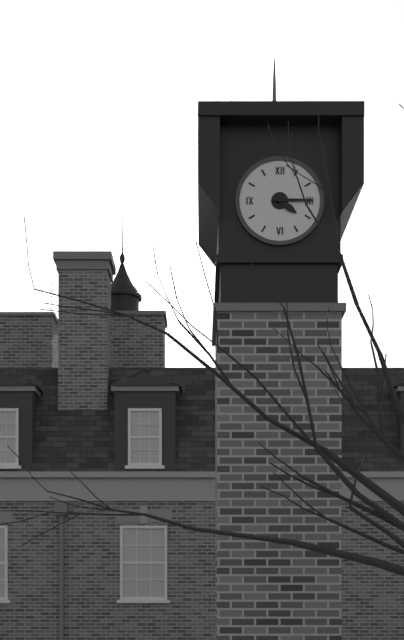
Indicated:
4.15
